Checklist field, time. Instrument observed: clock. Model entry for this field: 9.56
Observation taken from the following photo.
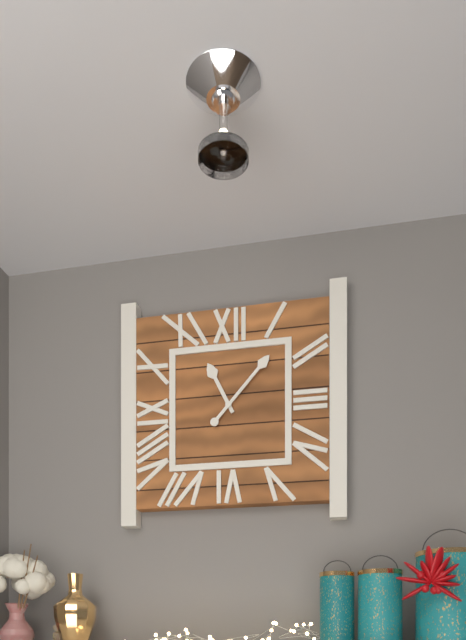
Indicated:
11.07
